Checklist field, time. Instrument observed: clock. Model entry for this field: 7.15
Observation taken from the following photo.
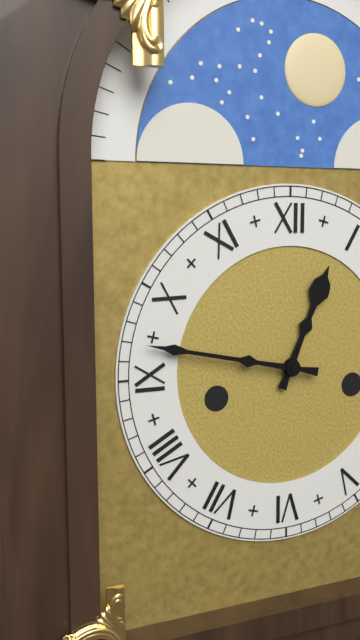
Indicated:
12.47
